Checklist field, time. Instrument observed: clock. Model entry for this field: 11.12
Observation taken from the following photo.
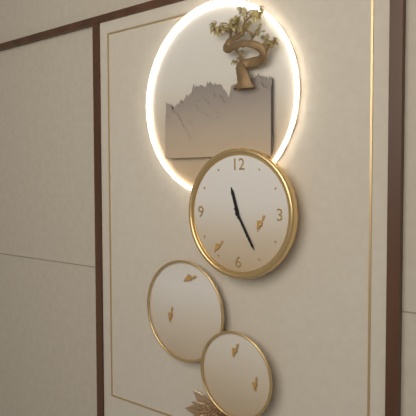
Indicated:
11.25
